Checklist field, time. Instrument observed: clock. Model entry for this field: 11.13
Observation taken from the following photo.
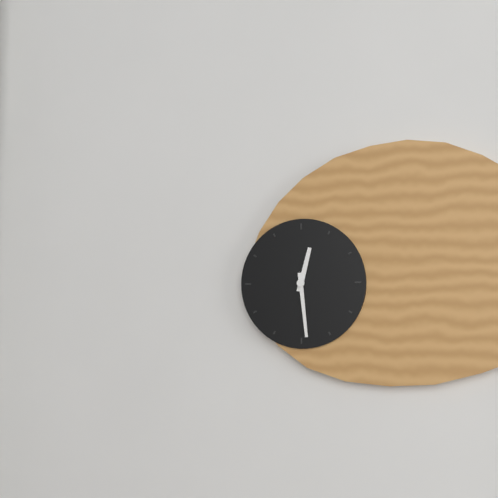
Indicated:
12.29
